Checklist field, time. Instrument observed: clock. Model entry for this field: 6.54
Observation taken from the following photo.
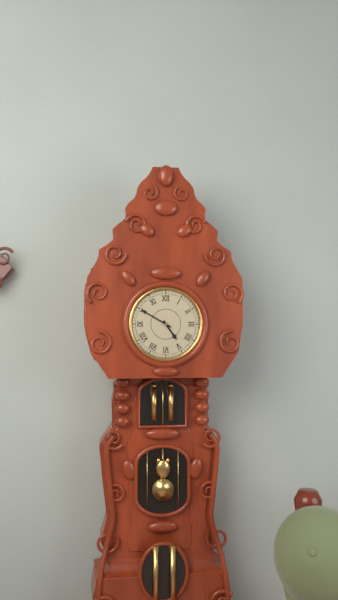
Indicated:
4.50
